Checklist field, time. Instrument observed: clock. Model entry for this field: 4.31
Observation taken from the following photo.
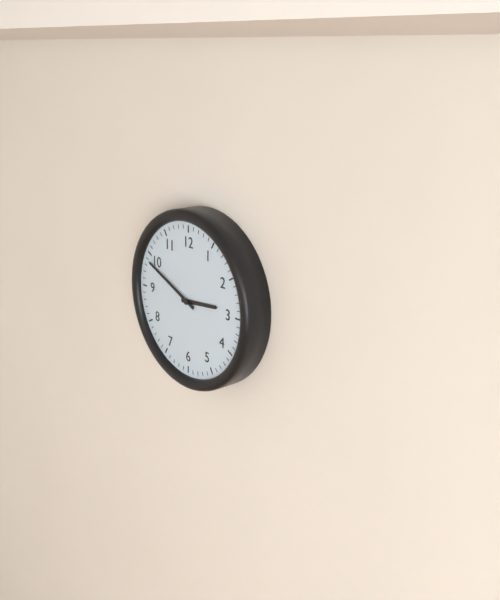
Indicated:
2.49
